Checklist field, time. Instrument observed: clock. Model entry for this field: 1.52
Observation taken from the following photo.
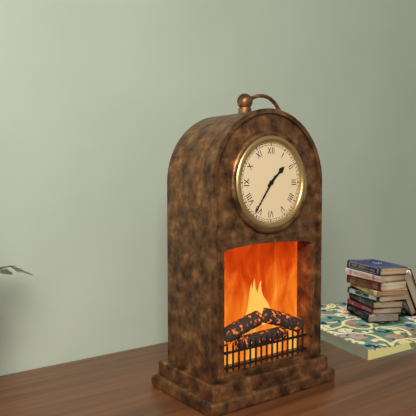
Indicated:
1.36
